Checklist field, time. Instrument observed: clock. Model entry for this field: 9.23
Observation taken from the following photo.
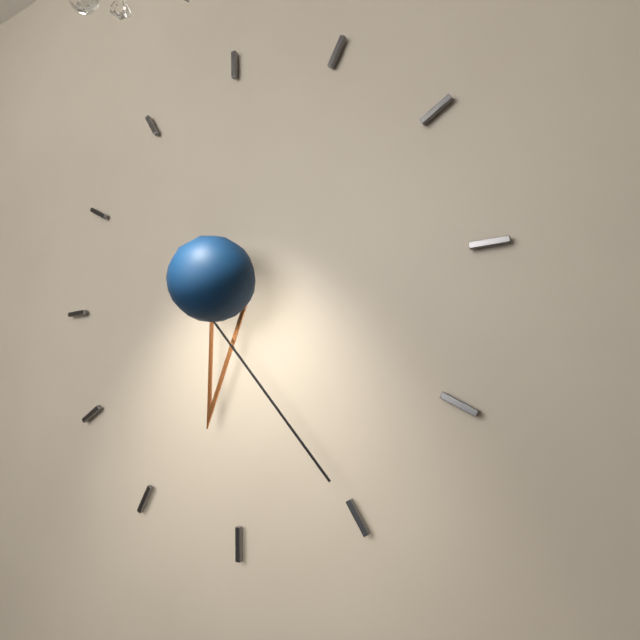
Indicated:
6.25
